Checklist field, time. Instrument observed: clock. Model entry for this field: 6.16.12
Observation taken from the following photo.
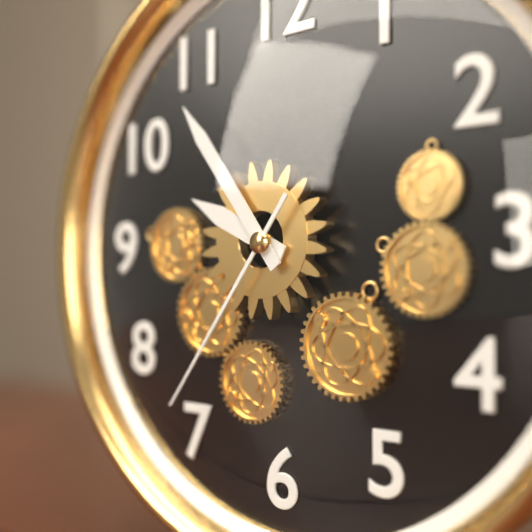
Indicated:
9.54.36
